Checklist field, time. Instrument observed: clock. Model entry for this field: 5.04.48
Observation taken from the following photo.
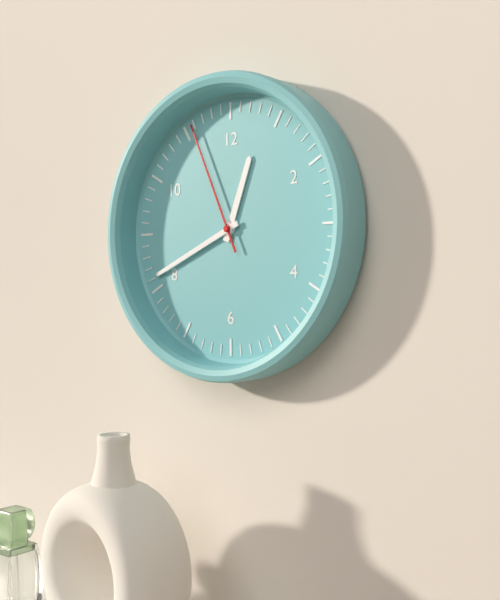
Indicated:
12.41.56
